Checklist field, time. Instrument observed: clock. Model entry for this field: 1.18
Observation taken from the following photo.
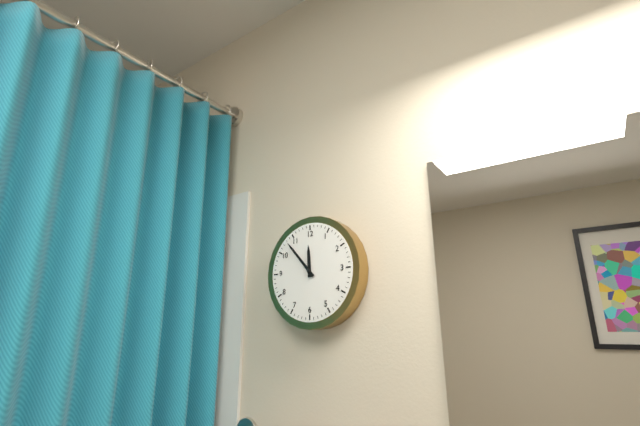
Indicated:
11.53
